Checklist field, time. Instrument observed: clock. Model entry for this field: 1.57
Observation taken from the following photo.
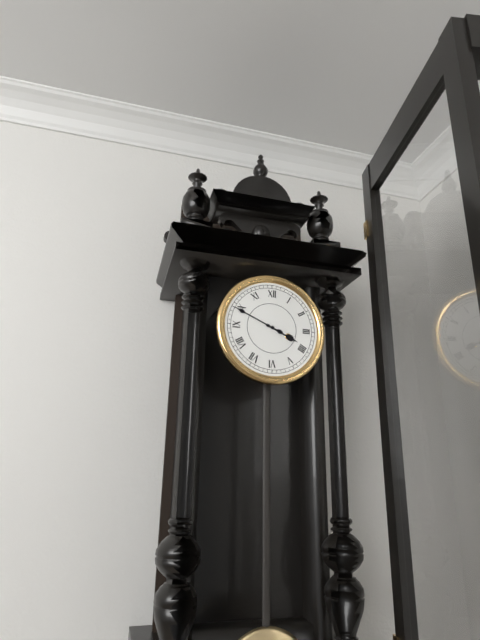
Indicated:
3.49
